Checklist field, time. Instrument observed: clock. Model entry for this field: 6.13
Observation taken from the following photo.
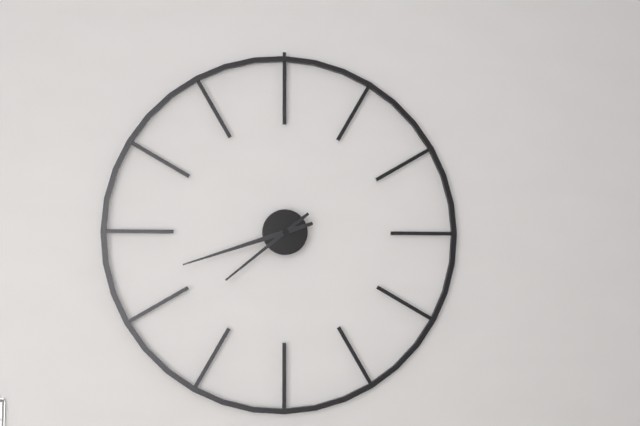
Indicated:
7.42
